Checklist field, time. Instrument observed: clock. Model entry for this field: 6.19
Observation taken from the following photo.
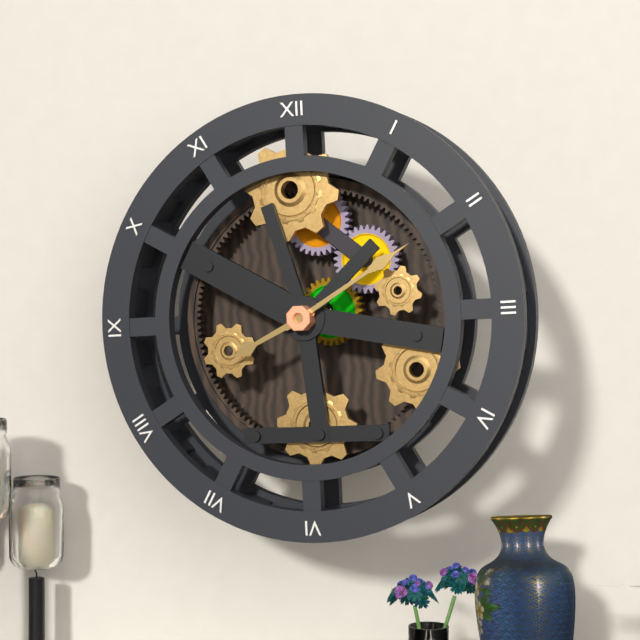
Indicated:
8.10
